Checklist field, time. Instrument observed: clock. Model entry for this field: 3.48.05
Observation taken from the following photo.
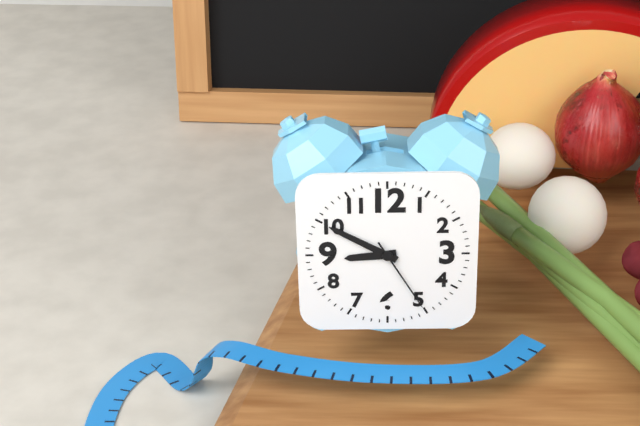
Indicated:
8.50.25
